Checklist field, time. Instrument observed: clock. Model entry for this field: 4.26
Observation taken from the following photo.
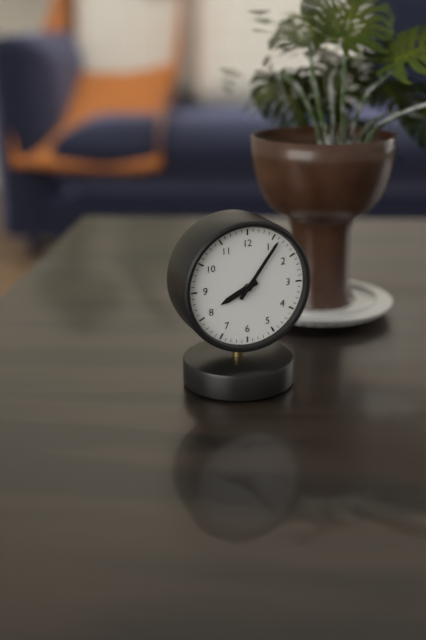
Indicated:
8.06
